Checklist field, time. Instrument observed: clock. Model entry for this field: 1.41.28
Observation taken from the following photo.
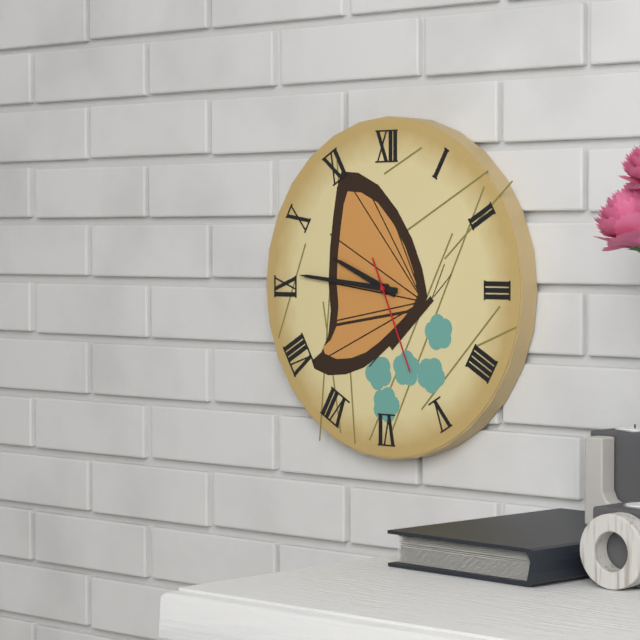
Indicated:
9.46.26
